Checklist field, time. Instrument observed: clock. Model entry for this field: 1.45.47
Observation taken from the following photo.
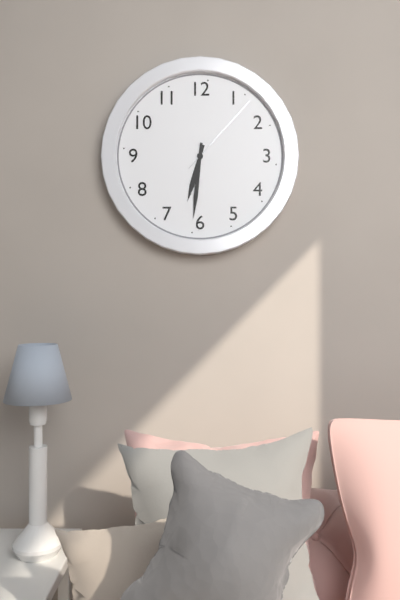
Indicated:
6.31.07
